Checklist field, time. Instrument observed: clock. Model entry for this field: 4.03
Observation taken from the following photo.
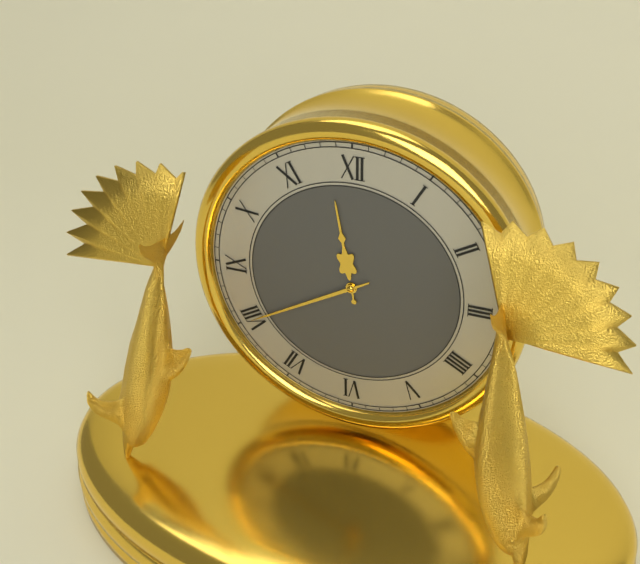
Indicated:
11.40
